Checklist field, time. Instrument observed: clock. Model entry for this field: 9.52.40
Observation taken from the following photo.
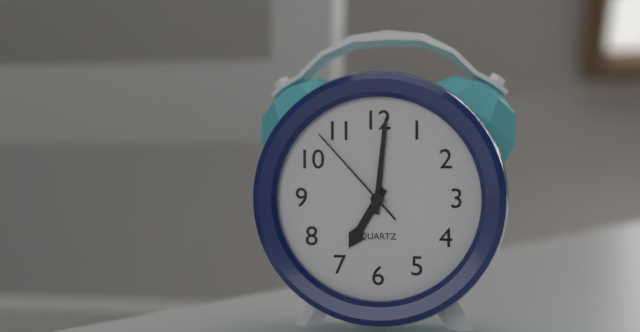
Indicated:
7.01.53
